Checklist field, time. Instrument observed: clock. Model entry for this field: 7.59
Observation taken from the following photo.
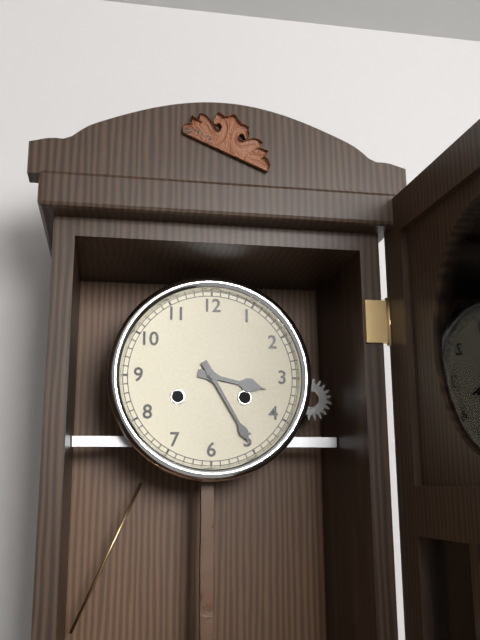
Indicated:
3.25
